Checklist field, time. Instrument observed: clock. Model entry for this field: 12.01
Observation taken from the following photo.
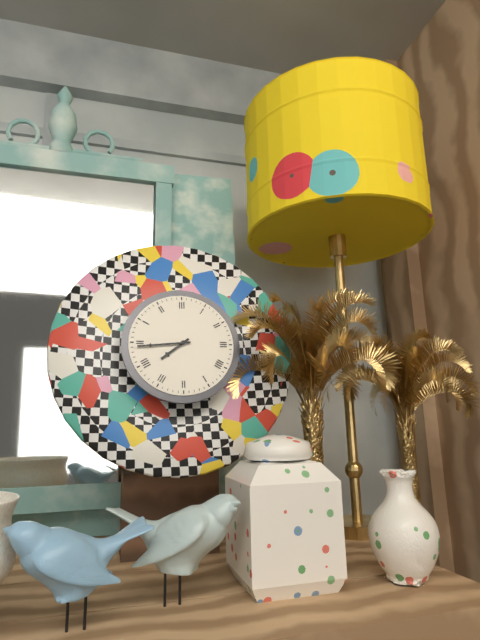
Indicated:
7.44
